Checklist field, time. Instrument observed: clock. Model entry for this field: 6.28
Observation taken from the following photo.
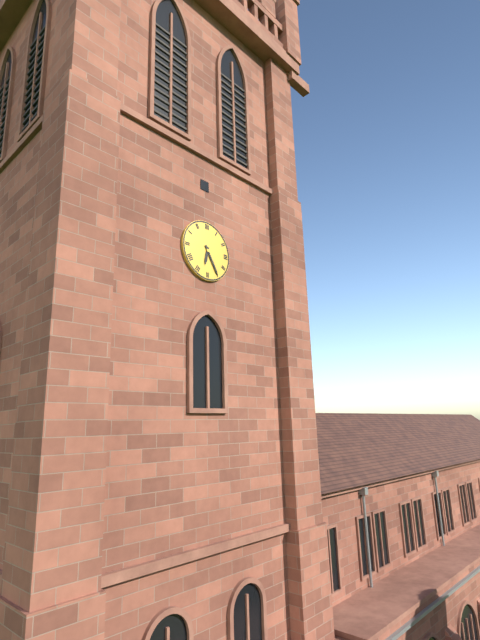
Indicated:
6.25
